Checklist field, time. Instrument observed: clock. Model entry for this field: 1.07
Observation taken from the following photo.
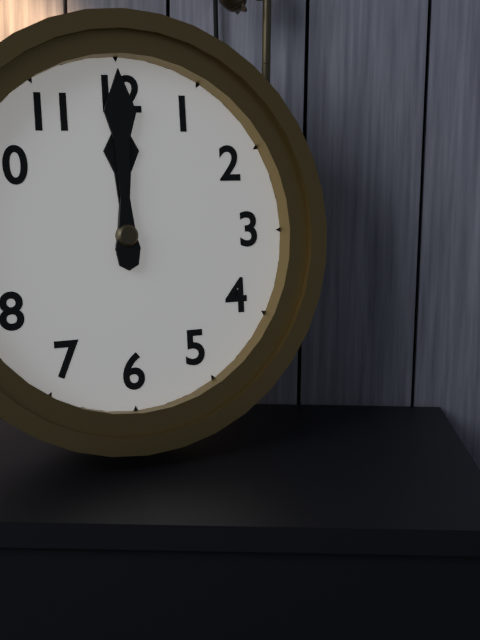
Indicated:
12.00
